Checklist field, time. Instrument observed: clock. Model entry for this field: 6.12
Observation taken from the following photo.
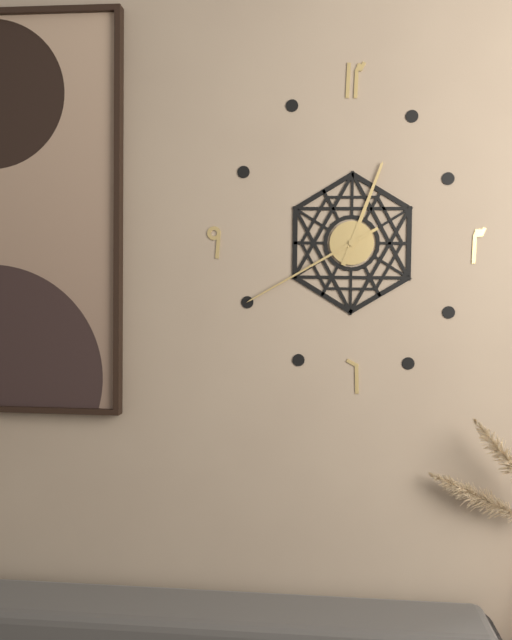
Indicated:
12.40
